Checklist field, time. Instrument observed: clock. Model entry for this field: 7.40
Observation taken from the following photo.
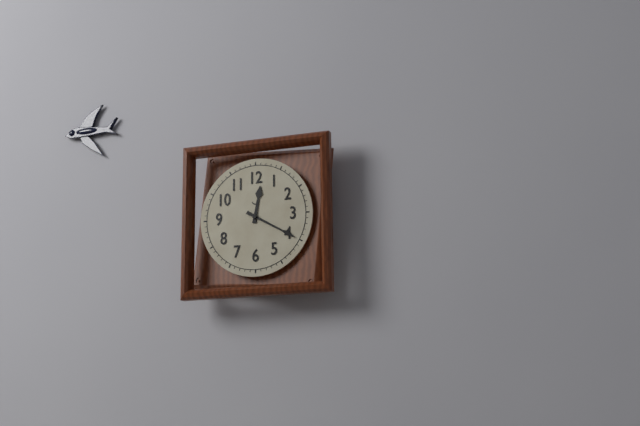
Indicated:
12.20
